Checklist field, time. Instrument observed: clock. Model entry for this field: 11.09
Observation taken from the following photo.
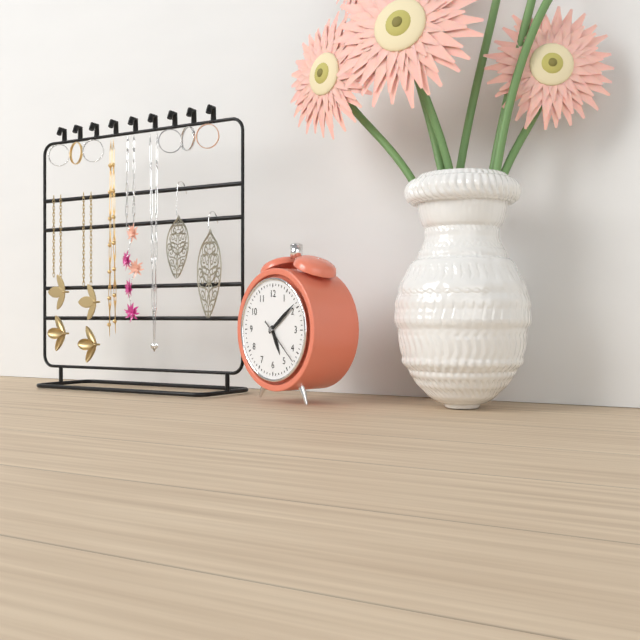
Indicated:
5.09
